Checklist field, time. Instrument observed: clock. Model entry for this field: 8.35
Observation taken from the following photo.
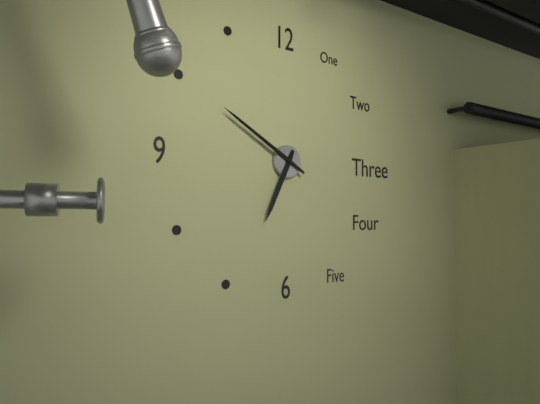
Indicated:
6.50
